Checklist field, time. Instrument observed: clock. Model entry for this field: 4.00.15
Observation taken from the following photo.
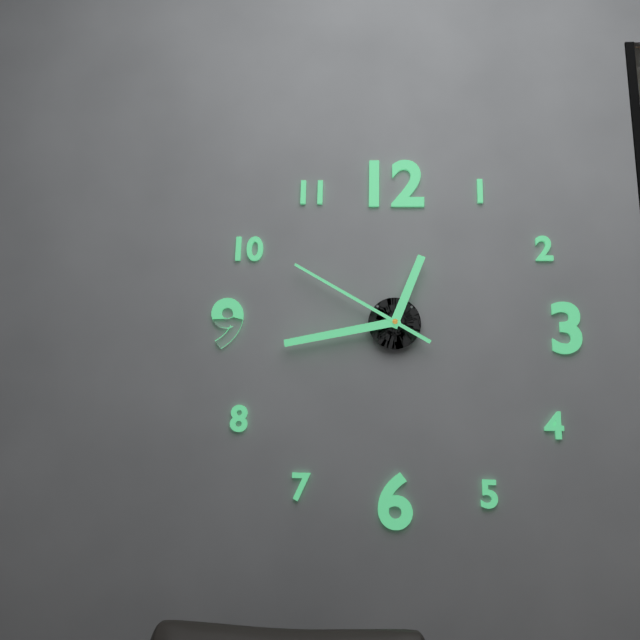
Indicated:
12.43.50
